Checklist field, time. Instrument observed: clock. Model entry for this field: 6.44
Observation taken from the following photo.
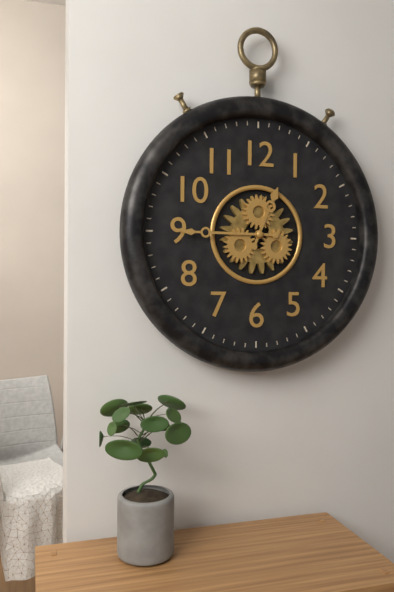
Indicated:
12.45
